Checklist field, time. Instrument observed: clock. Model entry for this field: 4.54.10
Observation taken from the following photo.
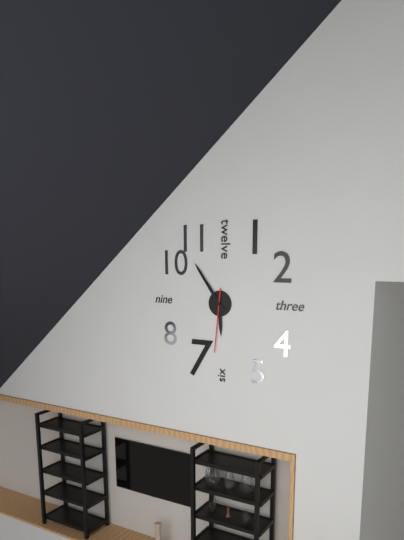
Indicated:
5.54.31
